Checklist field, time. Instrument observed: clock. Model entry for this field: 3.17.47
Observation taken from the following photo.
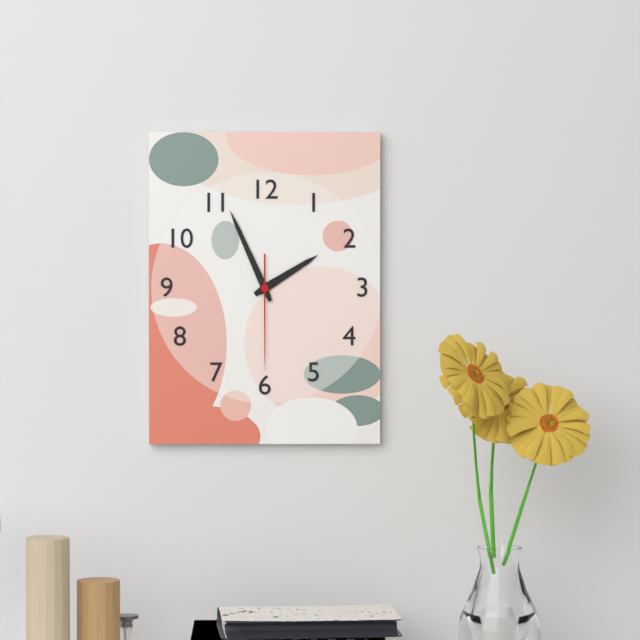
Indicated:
1.56.30
